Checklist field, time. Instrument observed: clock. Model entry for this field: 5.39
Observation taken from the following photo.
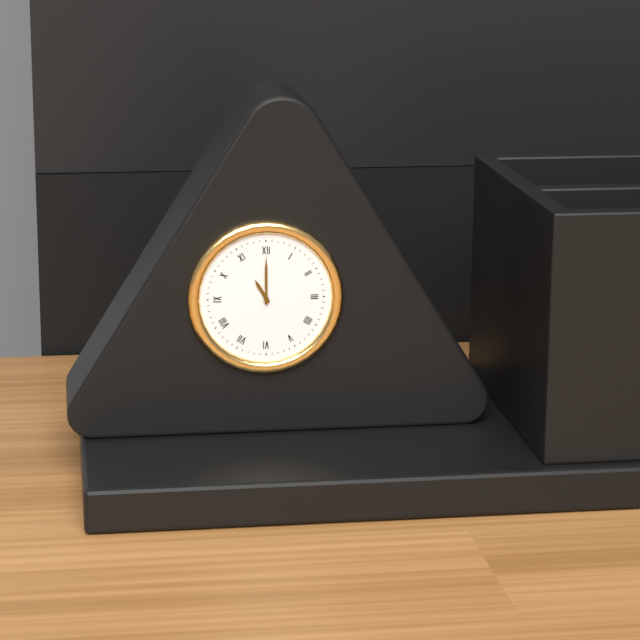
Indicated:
11.00
